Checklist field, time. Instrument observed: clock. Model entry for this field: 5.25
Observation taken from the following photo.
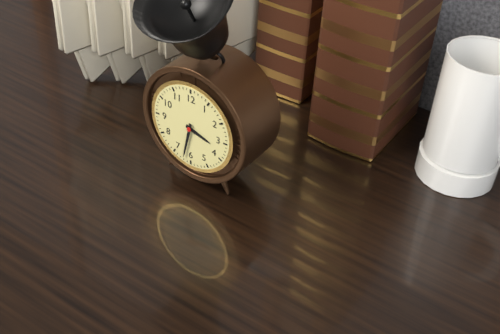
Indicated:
3.32
